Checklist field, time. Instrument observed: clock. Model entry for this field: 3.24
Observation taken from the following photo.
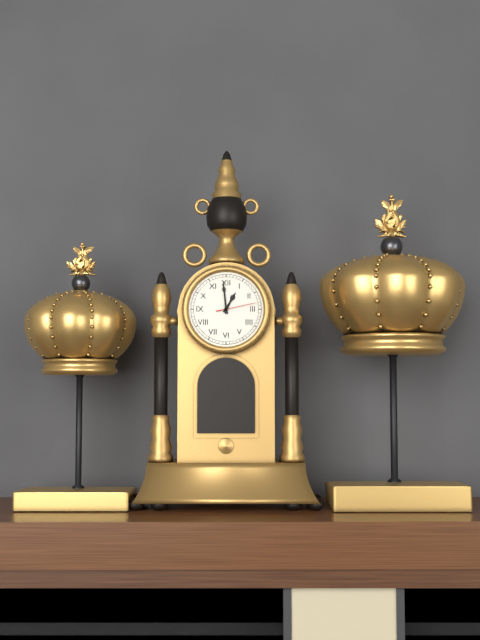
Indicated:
12.59
